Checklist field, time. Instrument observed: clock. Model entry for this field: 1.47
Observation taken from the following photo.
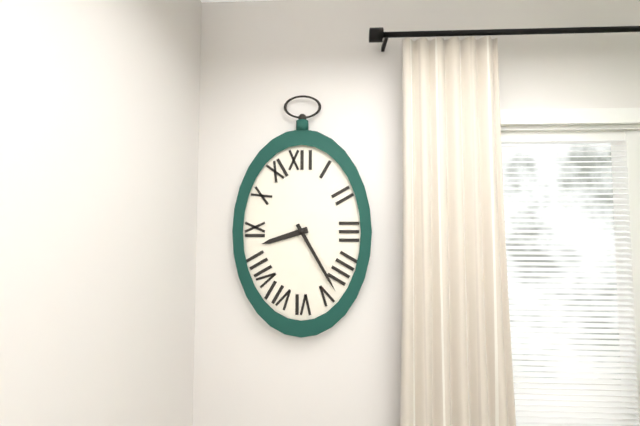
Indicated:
8.25
